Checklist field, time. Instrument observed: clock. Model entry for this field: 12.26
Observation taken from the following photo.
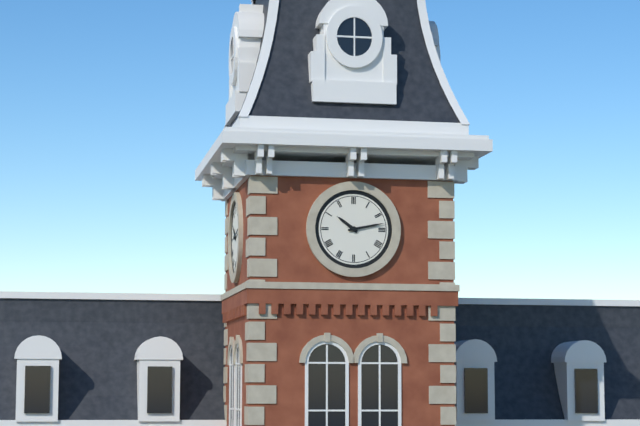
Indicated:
10.13
